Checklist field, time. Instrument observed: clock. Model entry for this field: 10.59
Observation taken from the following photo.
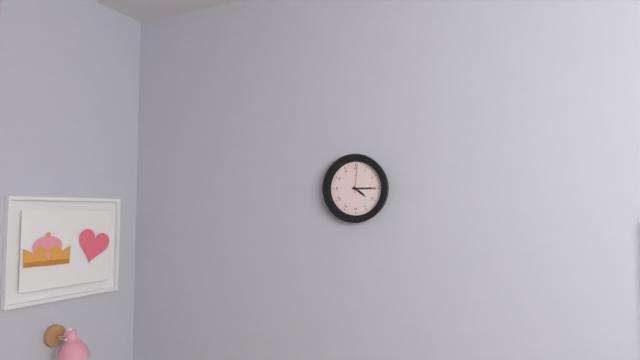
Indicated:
4.15
